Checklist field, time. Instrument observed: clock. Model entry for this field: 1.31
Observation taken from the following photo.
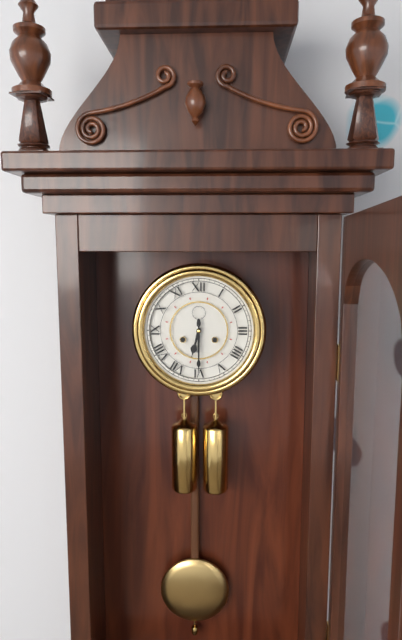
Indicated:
6.30
